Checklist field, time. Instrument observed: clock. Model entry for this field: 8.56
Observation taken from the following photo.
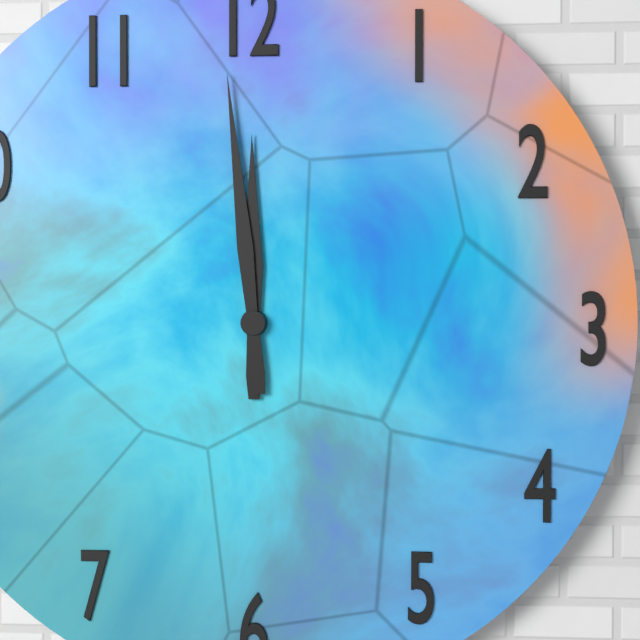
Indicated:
11.59
